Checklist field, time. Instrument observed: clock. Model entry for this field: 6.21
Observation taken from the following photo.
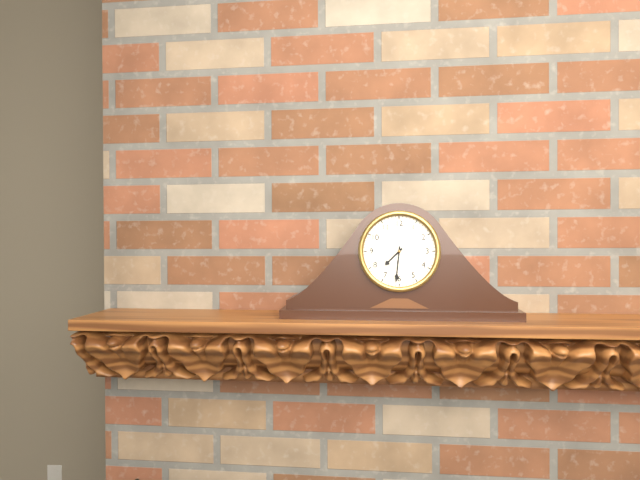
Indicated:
7.31
